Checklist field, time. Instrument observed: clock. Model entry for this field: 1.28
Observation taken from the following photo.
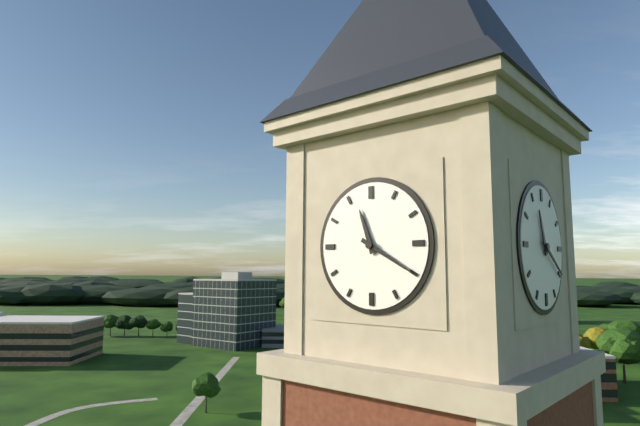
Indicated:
11.20
